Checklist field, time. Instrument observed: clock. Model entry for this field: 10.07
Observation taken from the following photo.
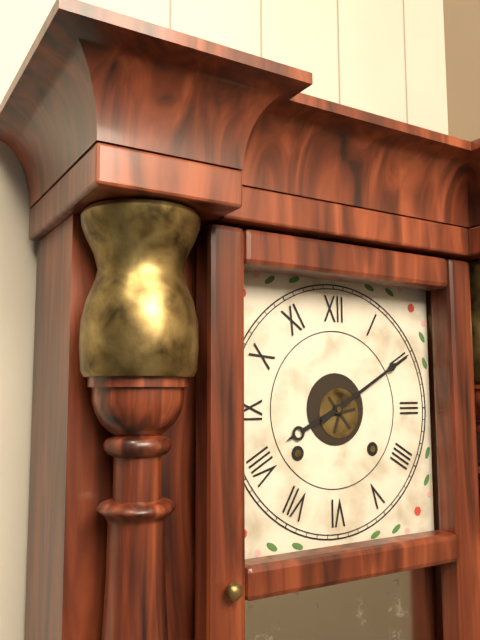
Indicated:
8.10
